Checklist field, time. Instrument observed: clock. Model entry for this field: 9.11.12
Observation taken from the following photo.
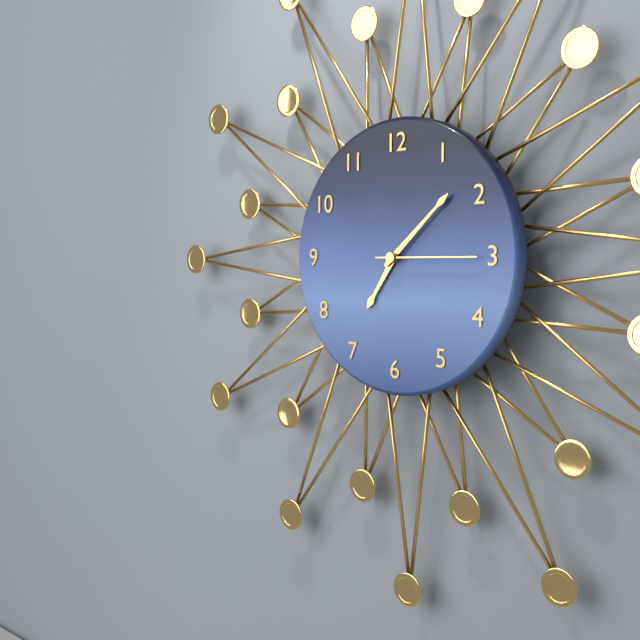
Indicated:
7.08.15
